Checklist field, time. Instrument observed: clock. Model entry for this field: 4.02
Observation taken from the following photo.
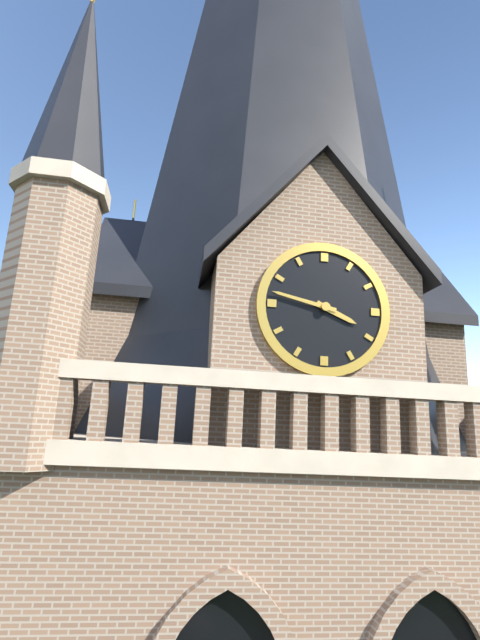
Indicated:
3.47
